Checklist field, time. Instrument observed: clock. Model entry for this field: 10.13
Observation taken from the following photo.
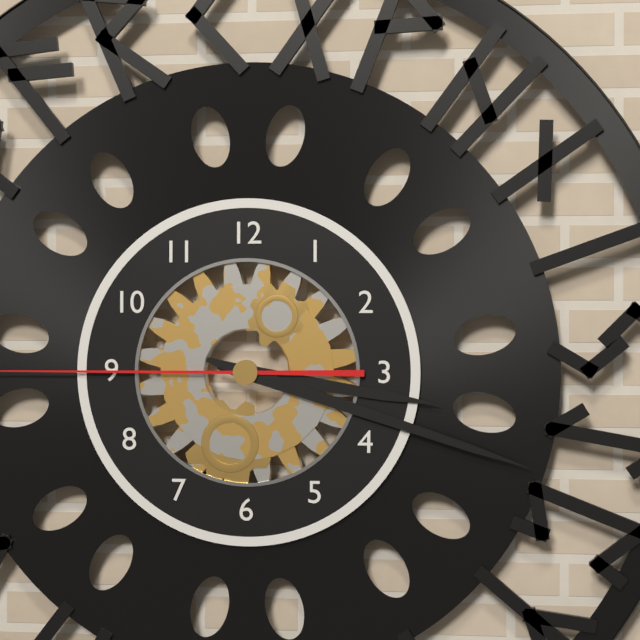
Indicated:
3.18
